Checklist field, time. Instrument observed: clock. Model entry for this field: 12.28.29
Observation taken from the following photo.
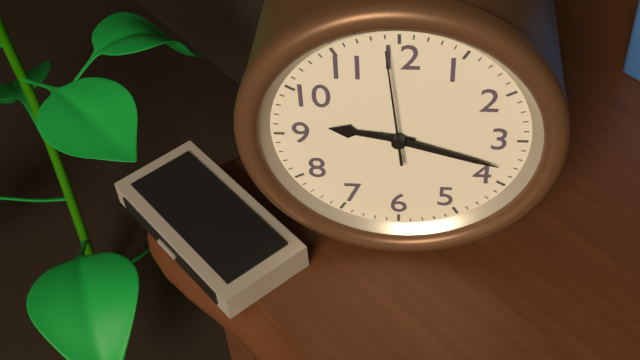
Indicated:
9.18.59
